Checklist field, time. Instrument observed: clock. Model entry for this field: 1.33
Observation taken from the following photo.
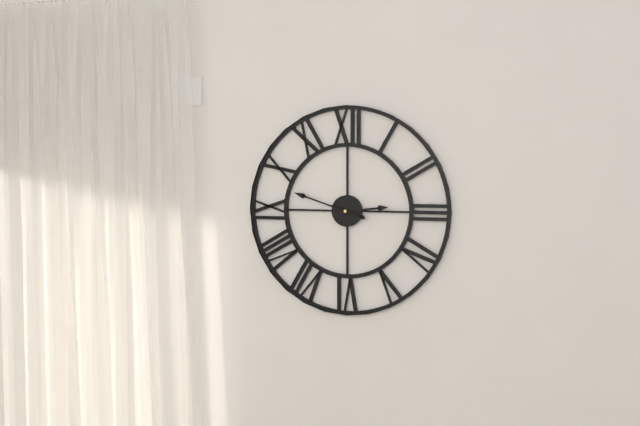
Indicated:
2.48
